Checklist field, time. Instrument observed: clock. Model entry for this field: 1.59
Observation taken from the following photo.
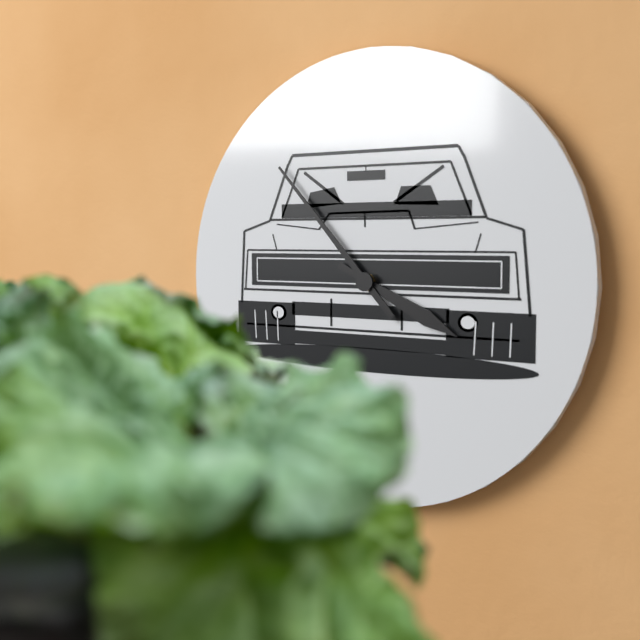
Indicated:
3.53
